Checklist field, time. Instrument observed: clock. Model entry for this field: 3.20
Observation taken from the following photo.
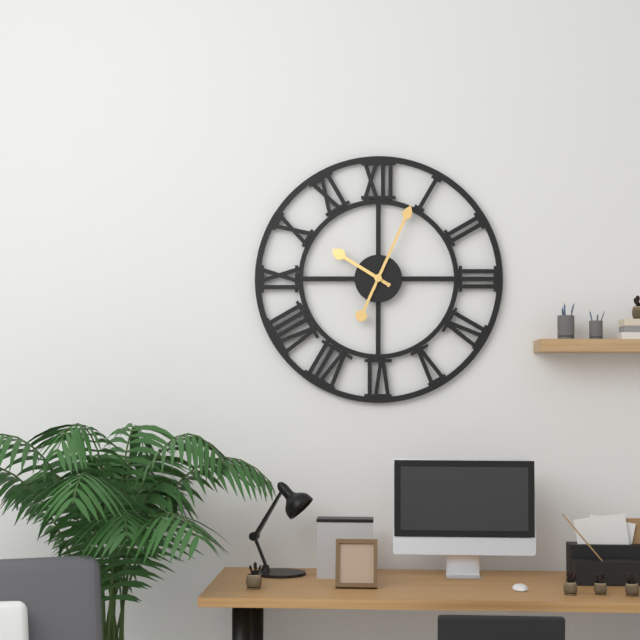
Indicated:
10.04
